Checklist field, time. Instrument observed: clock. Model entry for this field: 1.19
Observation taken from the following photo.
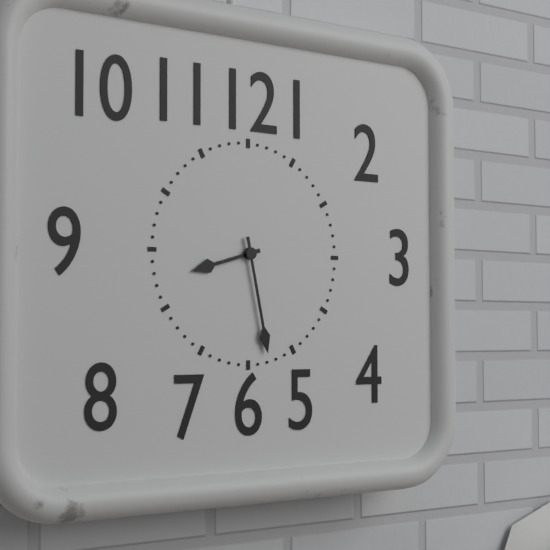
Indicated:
8.28
